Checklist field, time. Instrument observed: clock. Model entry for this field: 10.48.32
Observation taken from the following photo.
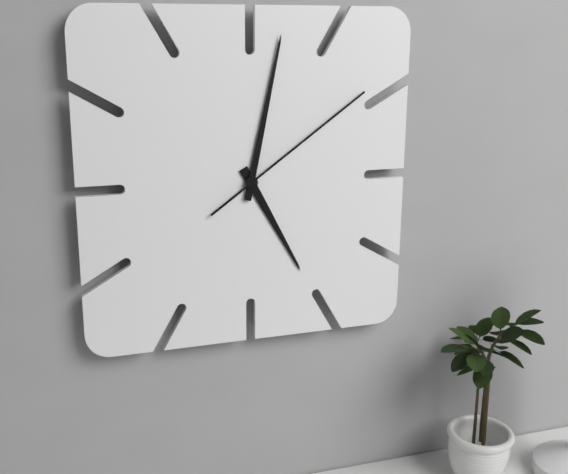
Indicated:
5.02.09
